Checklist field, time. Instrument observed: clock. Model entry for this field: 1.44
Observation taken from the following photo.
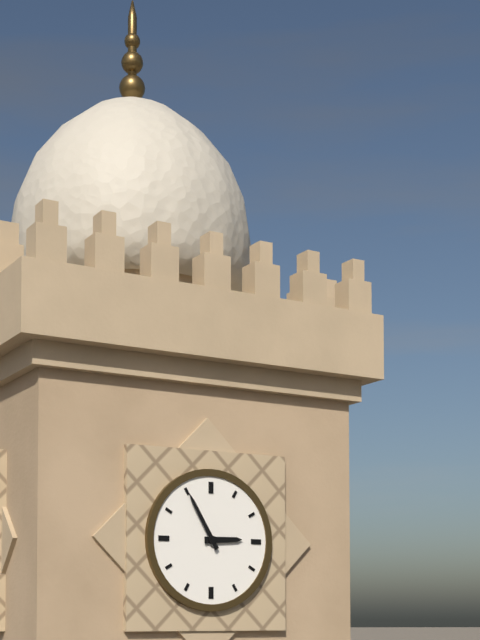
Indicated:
2.55
